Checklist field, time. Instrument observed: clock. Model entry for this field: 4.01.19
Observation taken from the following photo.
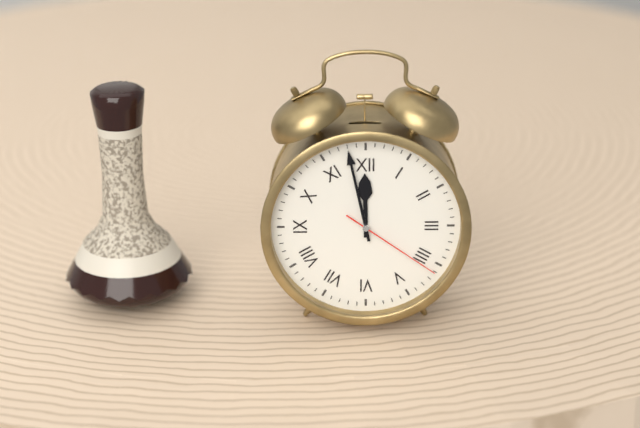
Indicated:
11.58.21
